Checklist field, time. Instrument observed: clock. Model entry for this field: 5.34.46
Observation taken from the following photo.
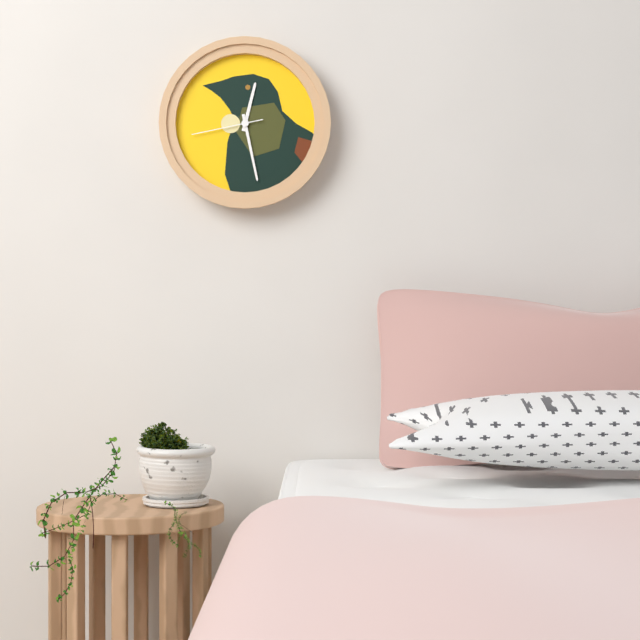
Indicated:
12.28.43
